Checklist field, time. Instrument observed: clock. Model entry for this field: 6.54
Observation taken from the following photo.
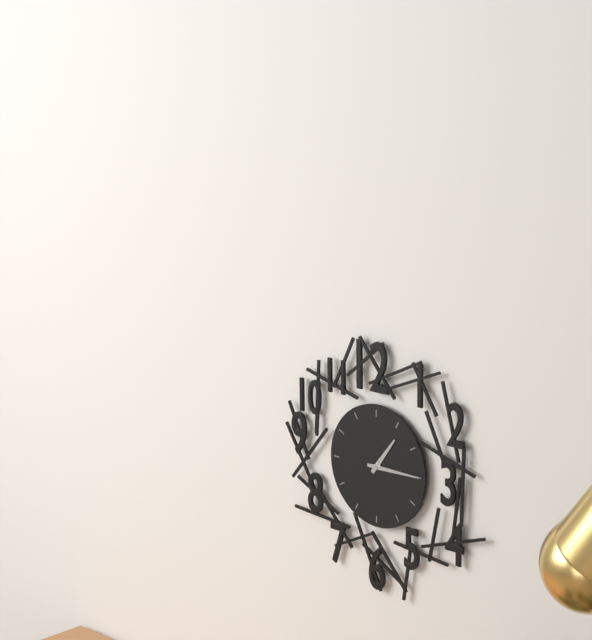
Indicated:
1.15
